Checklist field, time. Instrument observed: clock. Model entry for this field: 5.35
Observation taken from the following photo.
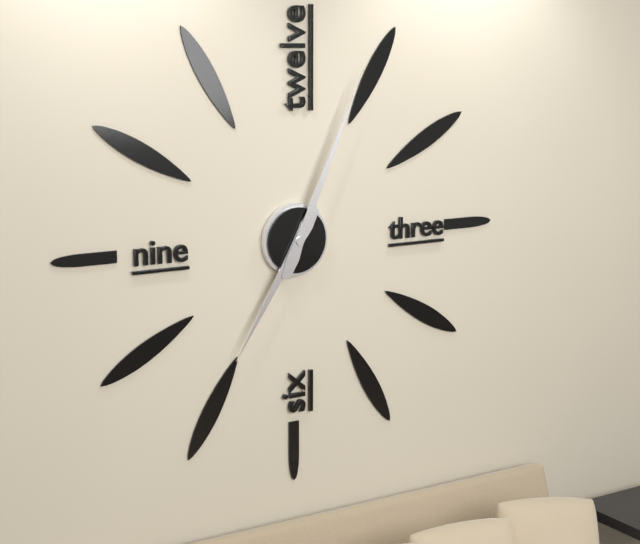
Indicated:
7.04
